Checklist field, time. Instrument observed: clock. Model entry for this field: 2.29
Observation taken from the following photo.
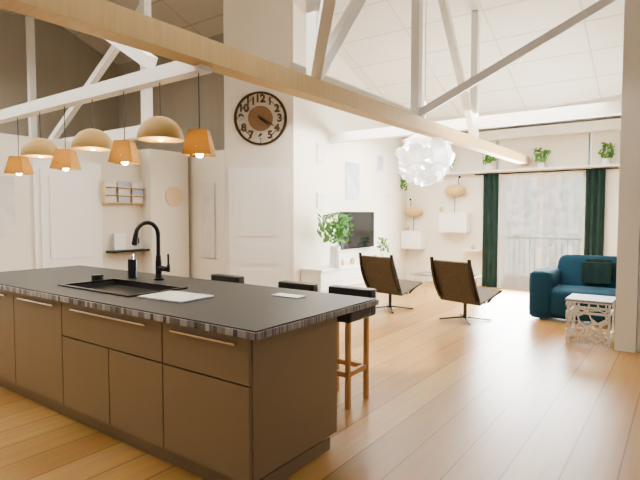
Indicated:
4.20
